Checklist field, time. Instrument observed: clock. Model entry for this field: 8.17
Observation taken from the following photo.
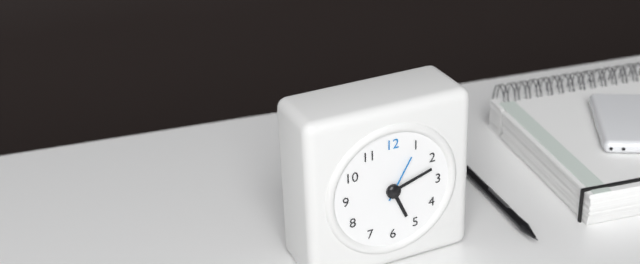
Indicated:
5.12
